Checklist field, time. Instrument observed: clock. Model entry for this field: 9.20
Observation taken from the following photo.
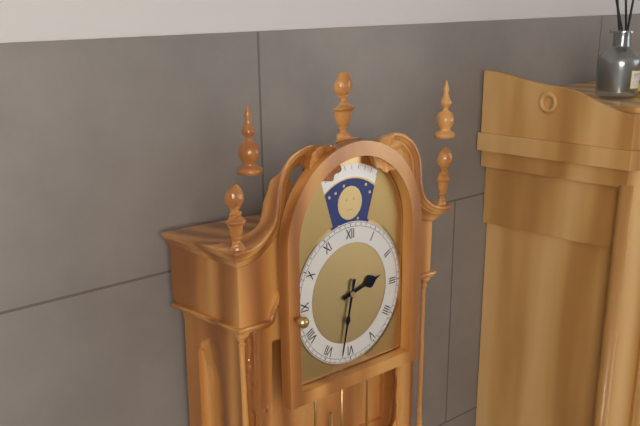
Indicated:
2.32
